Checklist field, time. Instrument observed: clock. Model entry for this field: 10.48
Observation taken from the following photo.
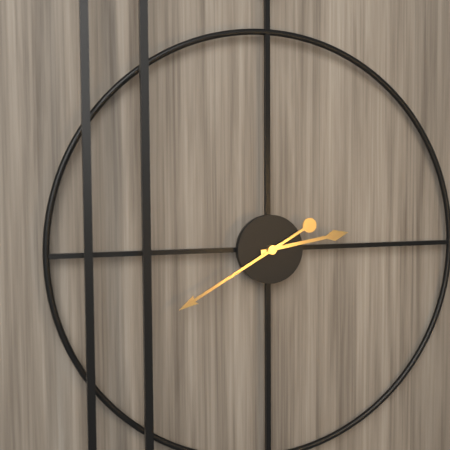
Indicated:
2.40
